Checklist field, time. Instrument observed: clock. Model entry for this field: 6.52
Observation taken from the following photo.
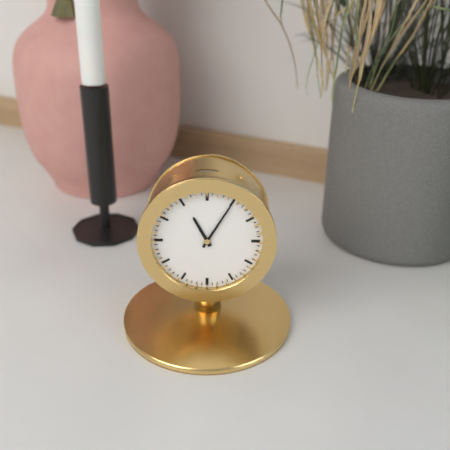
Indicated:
11.05
